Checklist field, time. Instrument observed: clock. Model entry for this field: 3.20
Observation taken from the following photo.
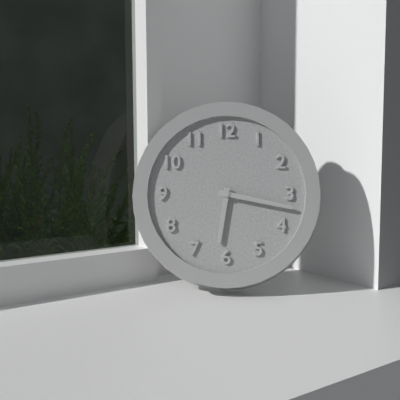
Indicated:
6.17
